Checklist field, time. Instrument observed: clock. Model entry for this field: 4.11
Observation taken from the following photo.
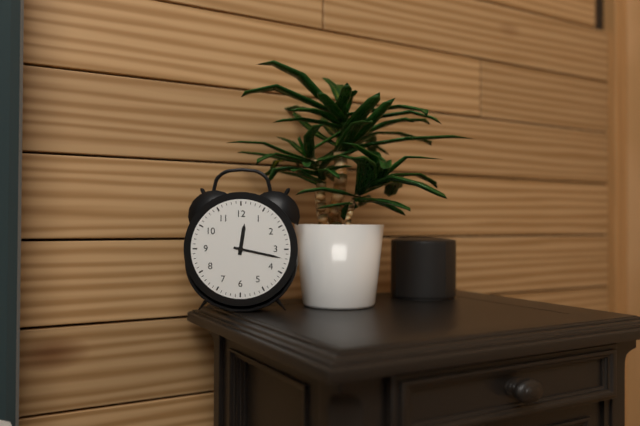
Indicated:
12.17
